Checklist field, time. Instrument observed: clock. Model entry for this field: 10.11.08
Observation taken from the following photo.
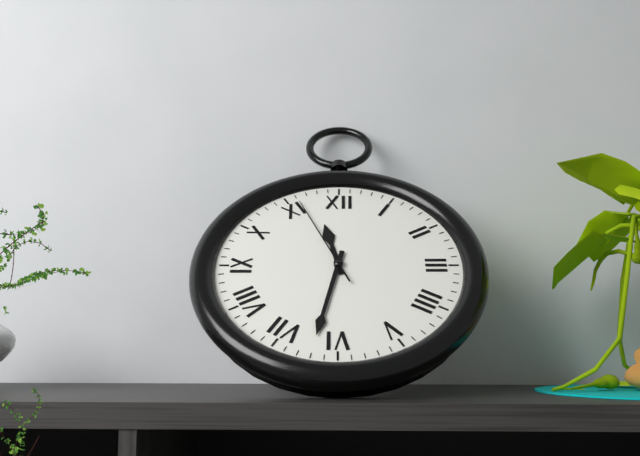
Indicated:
11.32.56
